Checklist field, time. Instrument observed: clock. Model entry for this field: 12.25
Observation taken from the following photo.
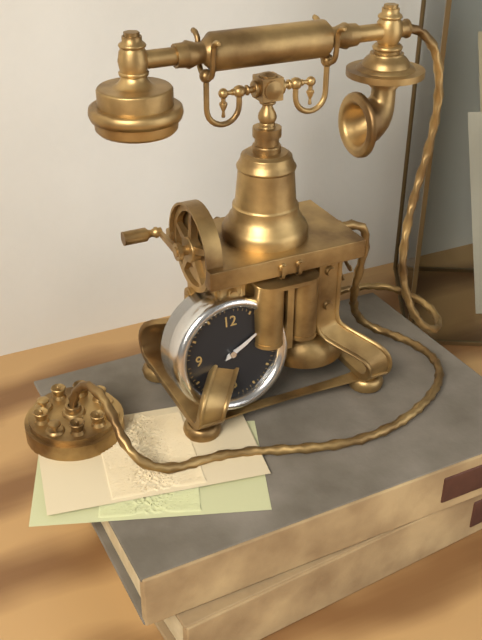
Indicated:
2.10
